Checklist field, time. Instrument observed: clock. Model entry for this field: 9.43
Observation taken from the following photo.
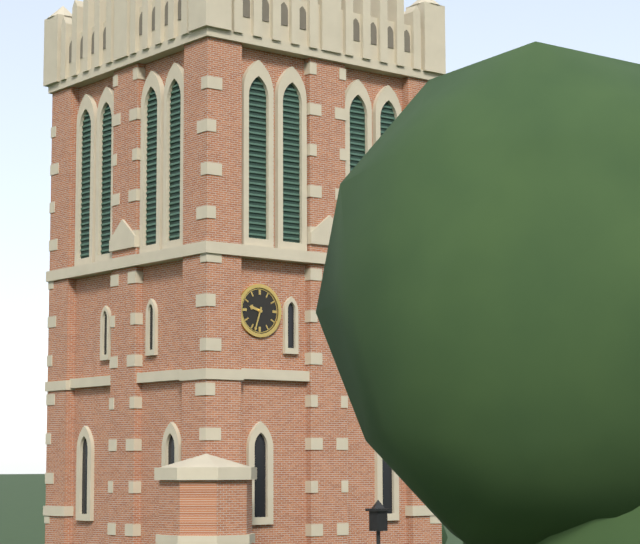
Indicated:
9.33
